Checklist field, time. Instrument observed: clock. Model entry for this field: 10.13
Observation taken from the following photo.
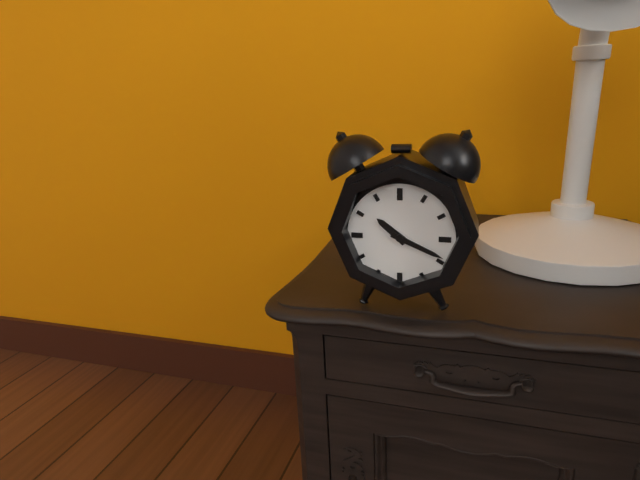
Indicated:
10.19
